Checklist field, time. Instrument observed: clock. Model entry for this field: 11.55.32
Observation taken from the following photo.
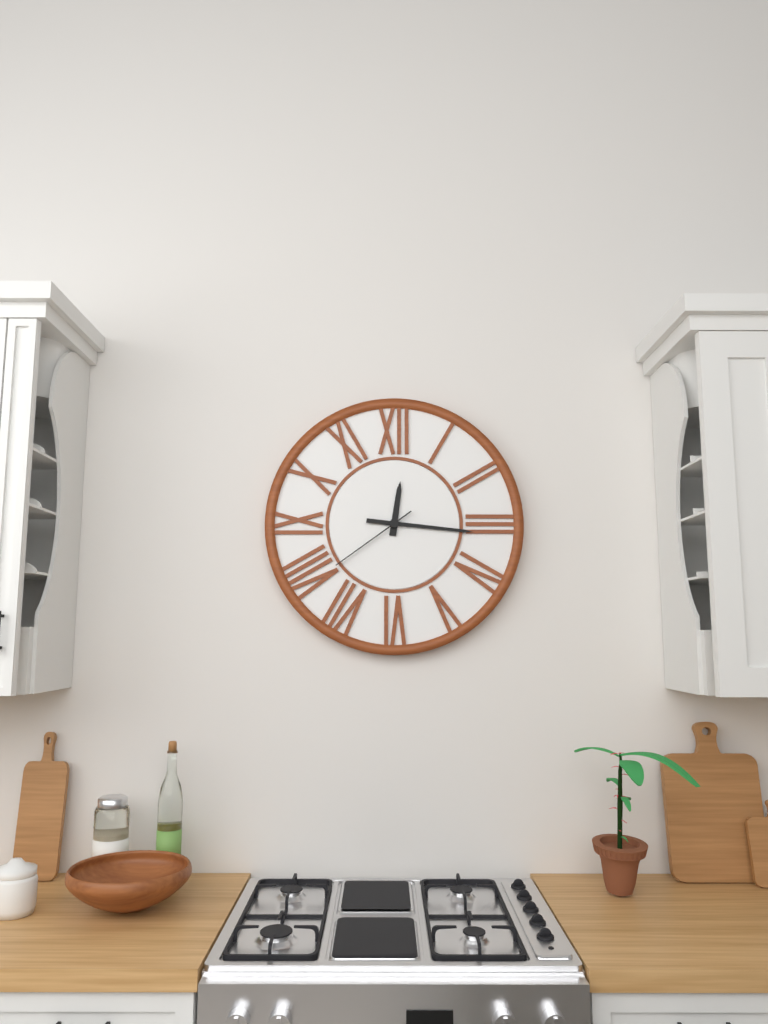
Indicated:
12.16.39
